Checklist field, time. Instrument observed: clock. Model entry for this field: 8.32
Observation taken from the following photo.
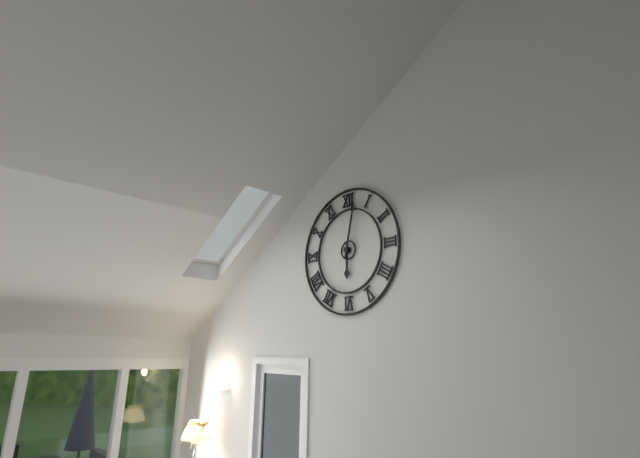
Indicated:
6.02
